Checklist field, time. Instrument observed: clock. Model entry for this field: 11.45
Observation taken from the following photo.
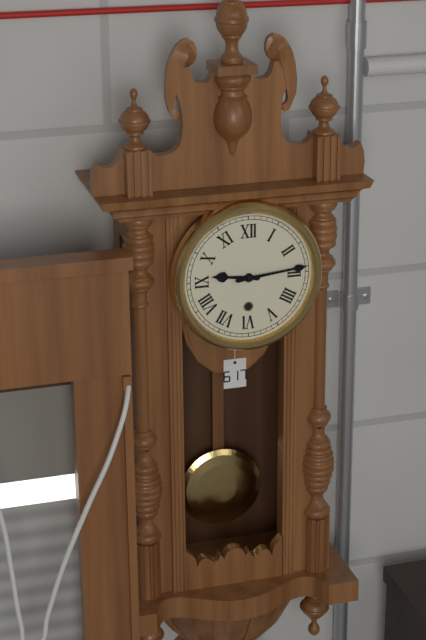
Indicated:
9.14
